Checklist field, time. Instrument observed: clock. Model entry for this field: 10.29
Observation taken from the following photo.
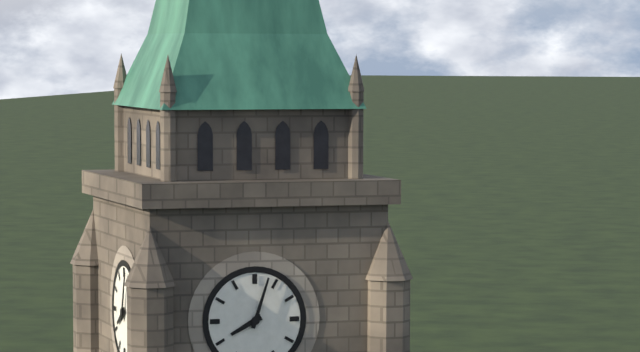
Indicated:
8.03
